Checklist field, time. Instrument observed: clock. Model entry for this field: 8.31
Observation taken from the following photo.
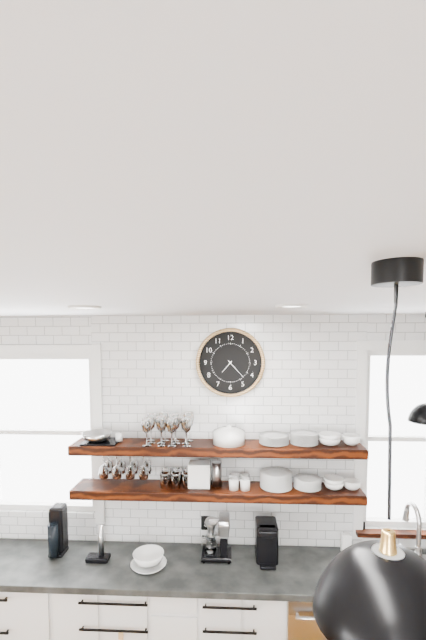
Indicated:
7.23
